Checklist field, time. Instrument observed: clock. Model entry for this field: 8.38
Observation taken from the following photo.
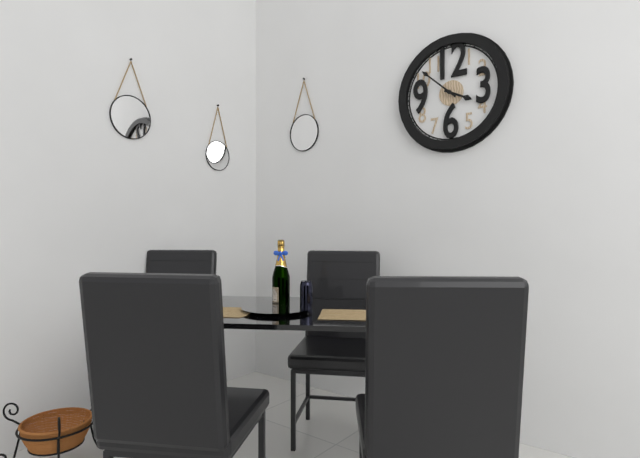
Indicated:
3.52
